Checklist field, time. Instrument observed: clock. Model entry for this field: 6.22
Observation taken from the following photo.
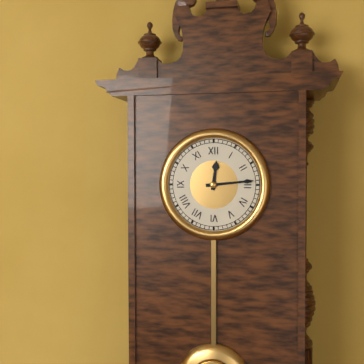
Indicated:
12.14
